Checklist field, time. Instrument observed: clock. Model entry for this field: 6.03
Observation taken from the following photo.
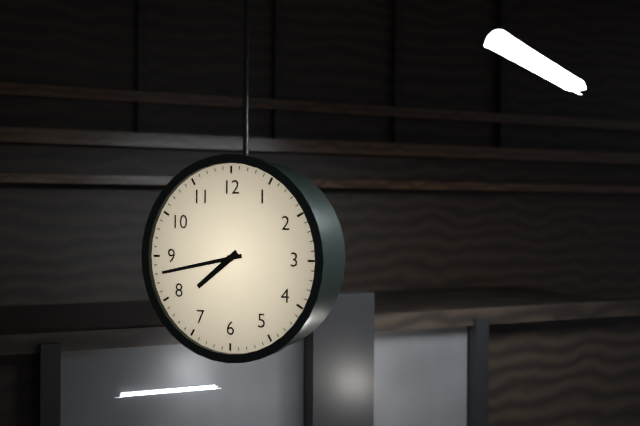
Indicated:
7.43
